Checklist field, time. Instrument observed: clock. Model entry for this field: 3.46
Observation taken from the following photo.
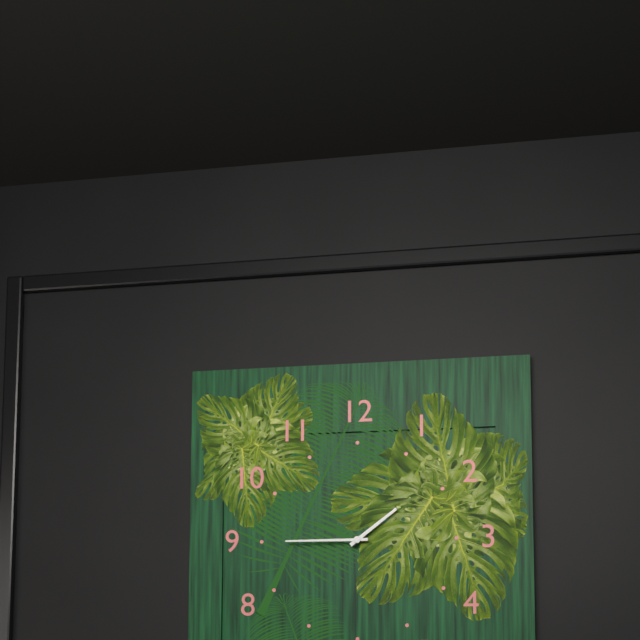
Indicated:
1.45
